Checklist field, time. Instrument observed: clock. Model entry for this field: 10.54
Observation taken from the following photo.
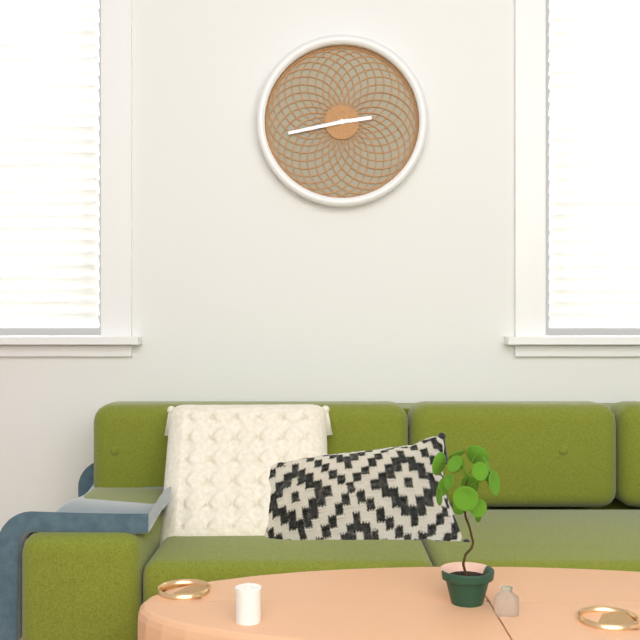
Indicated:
2.43
